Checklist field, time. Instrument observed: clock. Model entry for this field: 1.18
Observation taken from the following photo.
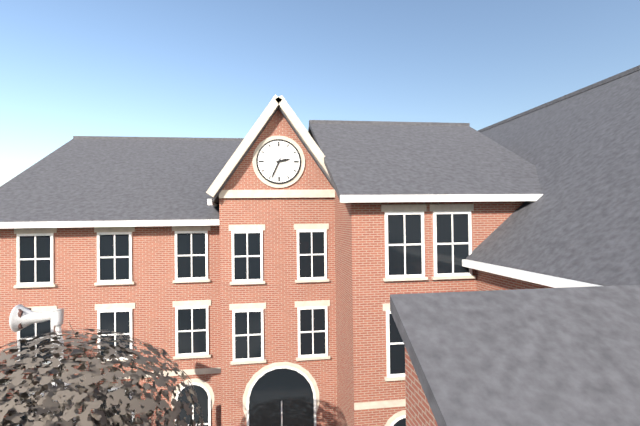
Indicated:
2.34
